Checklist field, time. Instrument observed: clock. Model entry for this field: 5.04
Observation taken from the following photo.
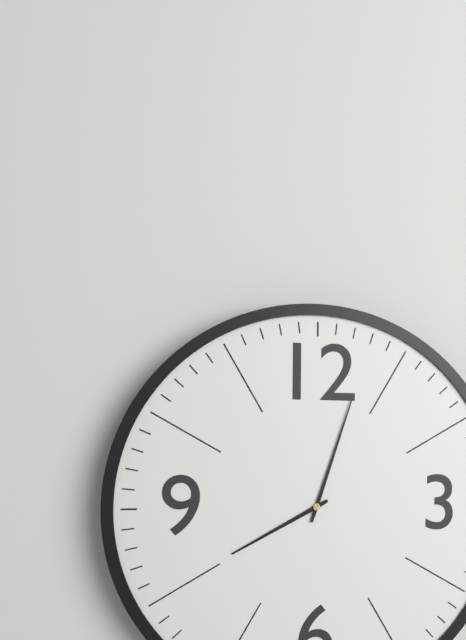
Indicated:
8.03
